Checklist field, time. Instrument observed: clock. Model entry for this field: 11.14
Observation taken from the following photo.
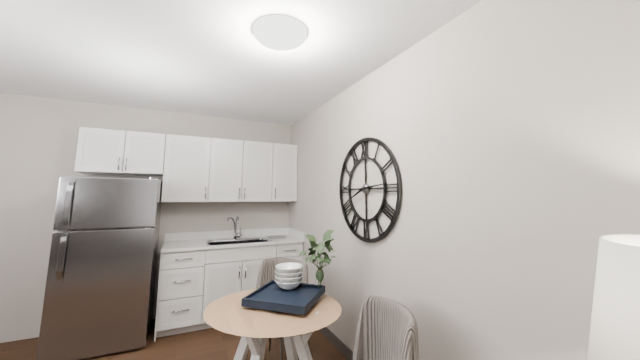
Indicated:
8.14
